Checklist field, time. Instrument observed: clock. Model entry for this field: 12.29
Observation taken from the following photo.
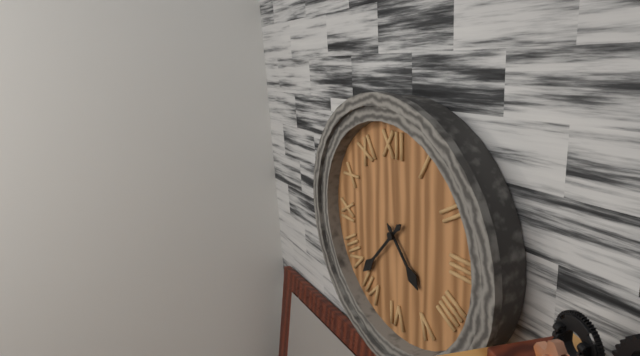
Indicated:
4.37
